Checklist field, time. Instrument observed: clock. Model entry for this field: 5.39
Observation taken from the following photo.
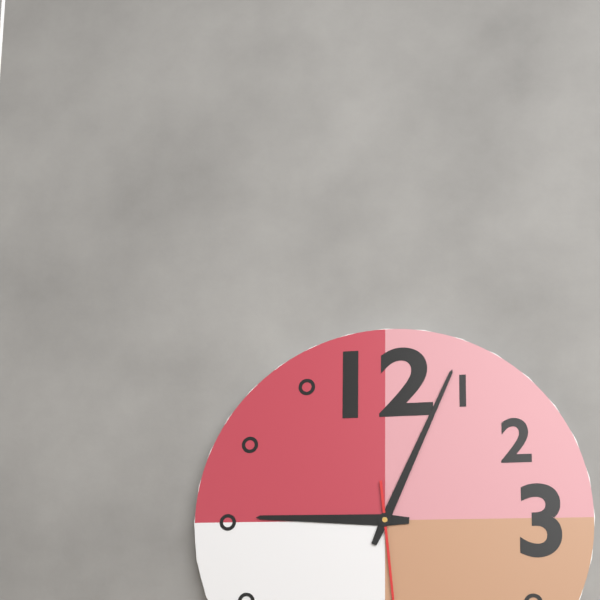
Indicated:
9.04
